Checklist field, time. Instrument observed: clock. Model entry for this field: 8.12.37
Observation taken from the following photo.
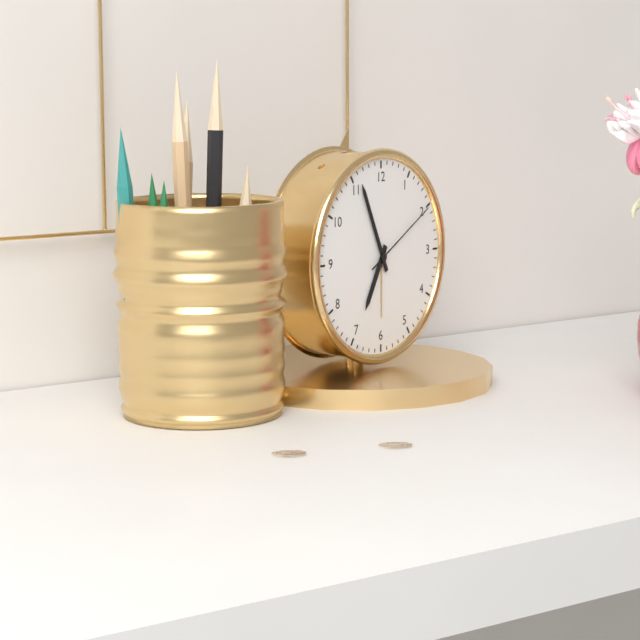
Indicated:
6.56.10
